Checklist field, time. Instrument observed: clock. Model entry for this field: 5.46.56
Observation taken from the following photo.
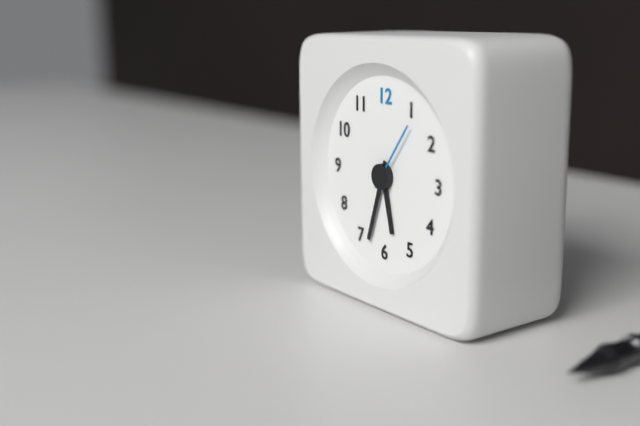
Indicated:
5.33.06
